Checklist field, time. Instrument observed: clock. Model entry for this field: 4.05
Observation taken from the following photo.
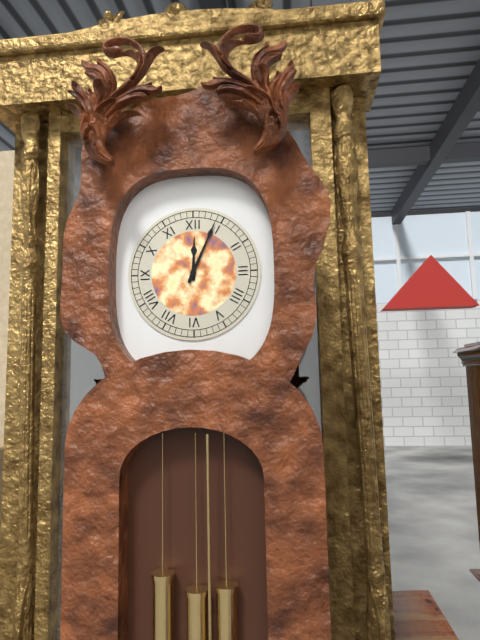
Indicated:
12.04
